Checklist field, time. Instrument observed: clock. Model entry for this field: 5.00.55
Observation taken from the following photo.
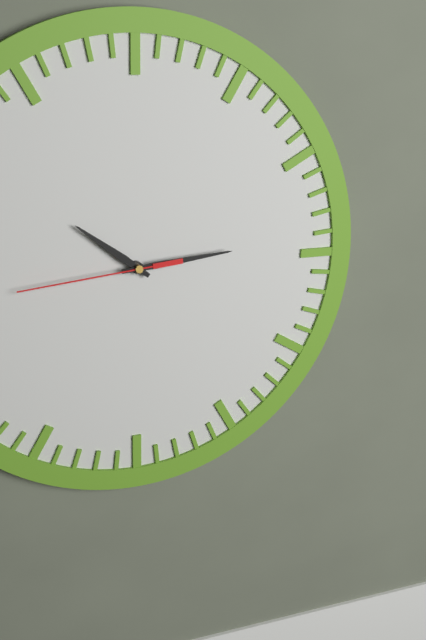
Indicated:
10.14.44
